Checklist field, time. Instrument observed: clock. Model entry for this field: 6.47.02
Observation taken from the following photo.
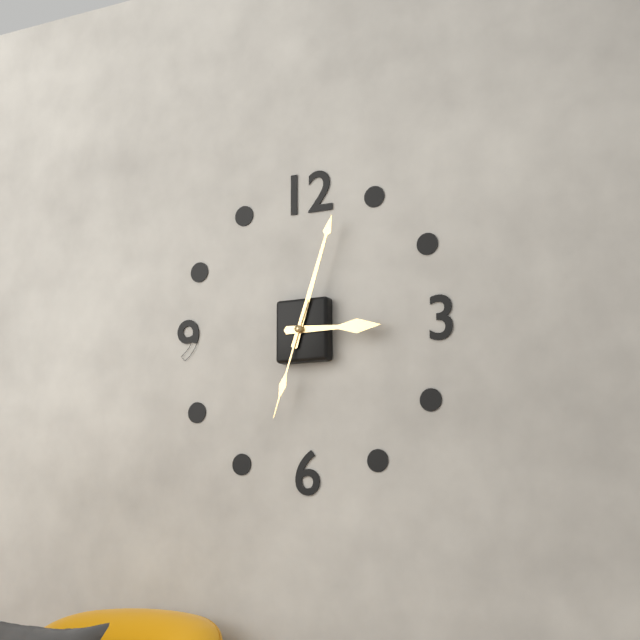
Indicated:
3.03.33
